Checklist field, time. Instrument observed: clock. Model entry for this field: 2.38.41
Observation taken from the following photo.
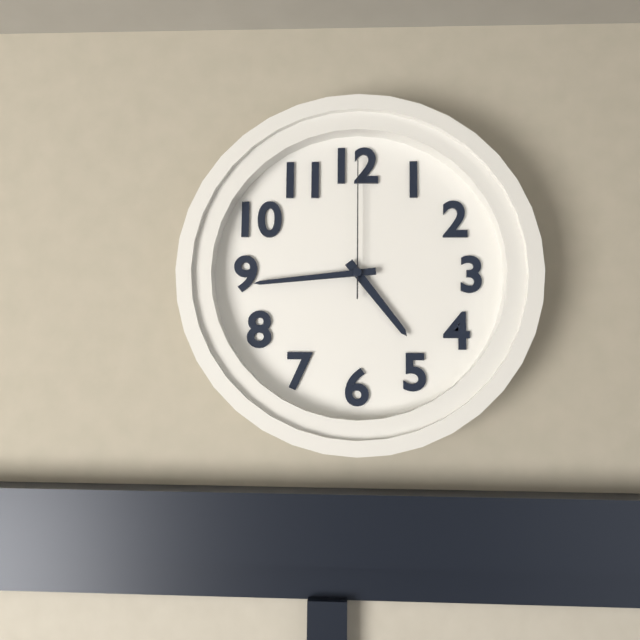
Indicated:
4.44.00
